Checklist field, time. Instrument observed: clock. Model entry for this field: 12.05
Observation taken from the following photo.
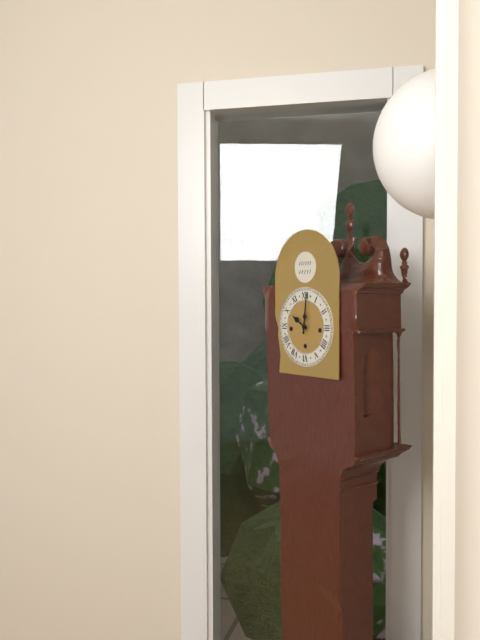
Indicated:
10.01
